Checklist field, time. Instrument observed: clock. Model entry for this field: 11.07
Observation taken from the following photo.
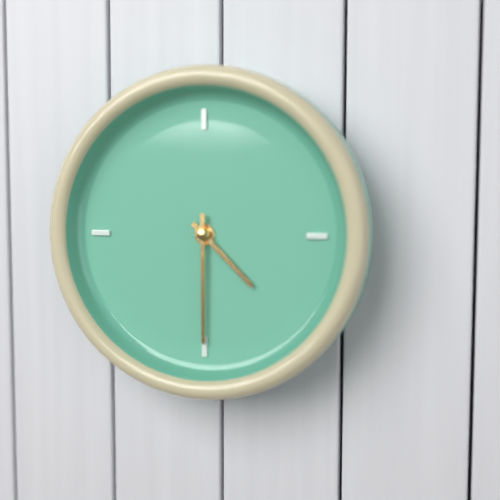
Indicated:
4.30
